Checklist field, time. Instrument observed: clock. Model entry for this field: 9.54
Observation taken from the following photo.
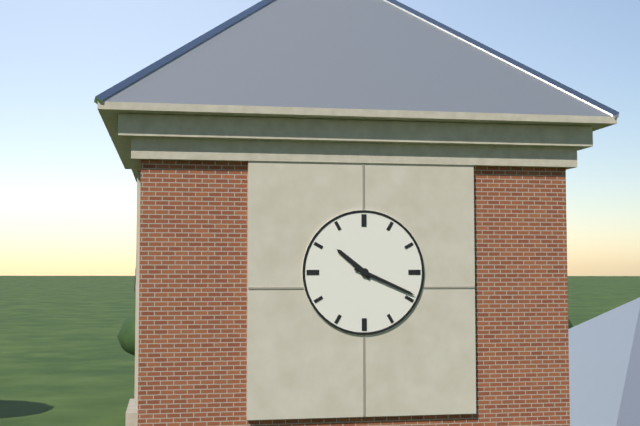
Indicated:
10.19
